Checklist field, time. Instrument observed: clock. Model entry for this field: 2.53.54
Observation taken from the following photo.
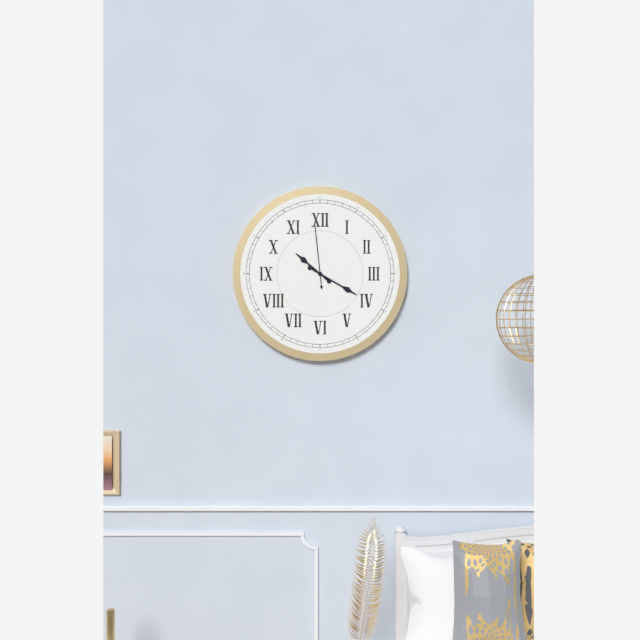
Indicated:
10.20.59
